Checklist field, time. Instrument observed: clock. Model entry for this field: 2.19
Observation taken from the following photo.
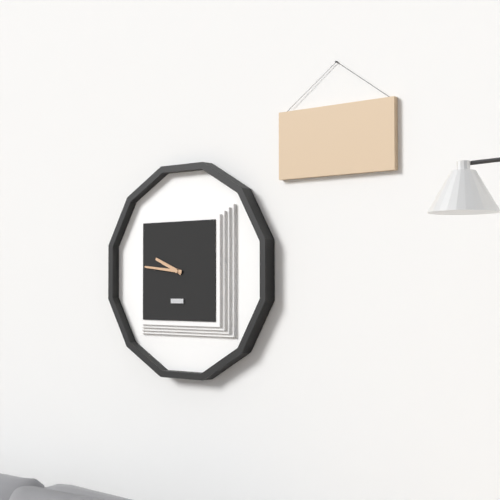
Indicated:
9.46
